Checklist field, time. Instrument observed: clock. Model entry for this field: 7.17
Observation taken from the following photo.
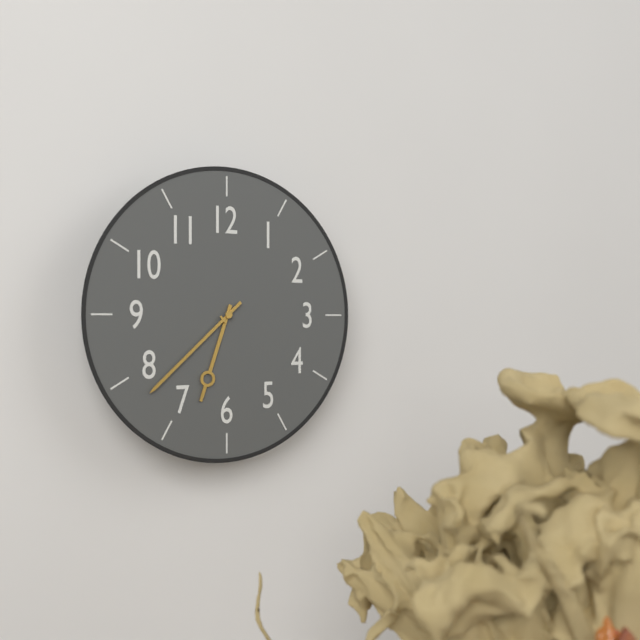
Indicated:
6.38
